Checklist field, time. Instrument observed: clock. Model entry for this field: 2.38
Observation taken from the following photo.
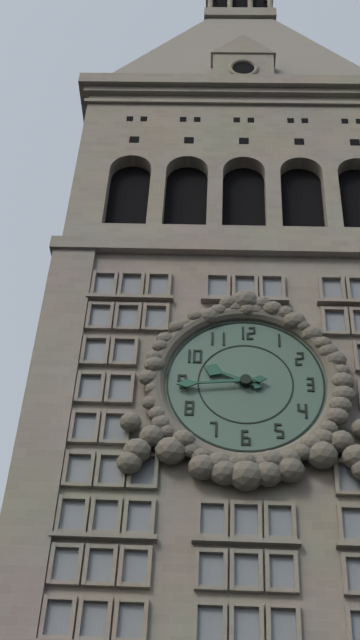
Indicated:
9.44
